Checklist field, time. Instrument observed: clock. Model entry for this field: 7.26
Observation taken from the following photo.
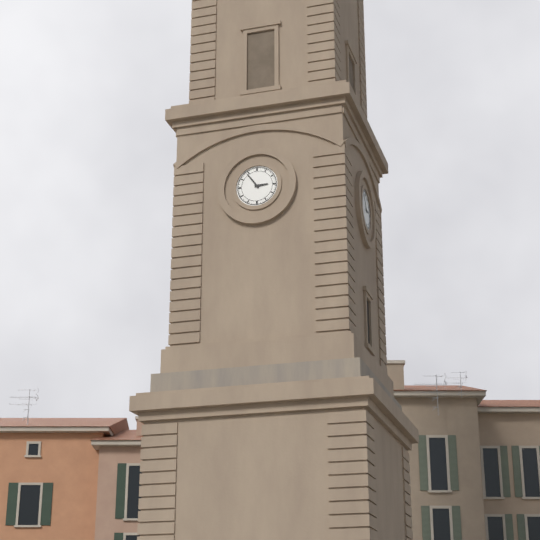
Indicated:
2.54
